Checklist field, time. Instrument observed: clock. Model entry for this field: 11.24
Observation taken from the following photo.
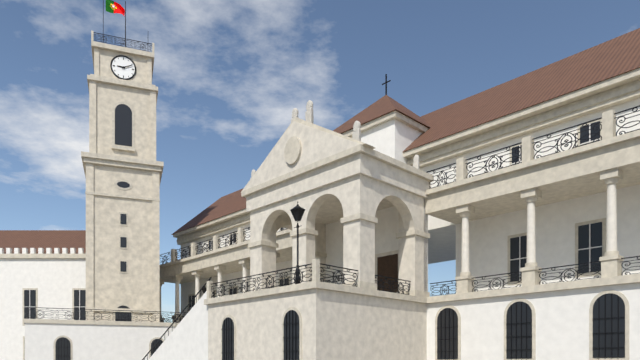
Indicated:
9.11
